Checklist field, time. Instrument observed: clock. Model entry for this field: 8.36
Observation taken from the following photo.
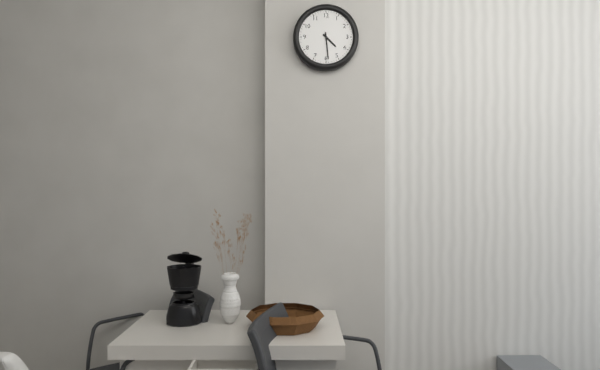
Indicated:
4.29
